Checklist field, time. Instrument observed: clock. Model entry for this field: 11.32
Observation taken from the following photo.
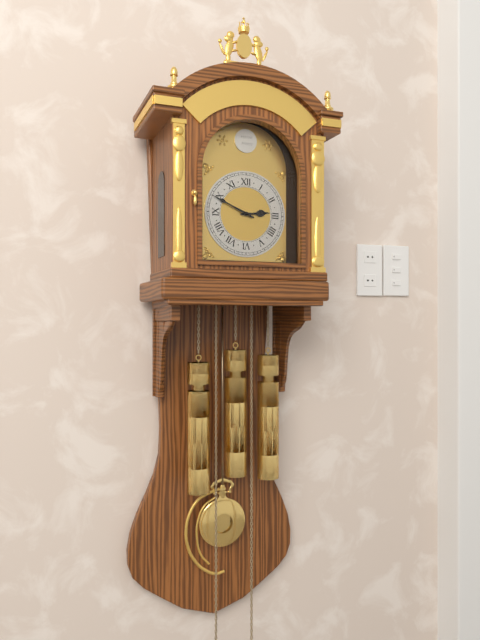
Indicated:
2.49
